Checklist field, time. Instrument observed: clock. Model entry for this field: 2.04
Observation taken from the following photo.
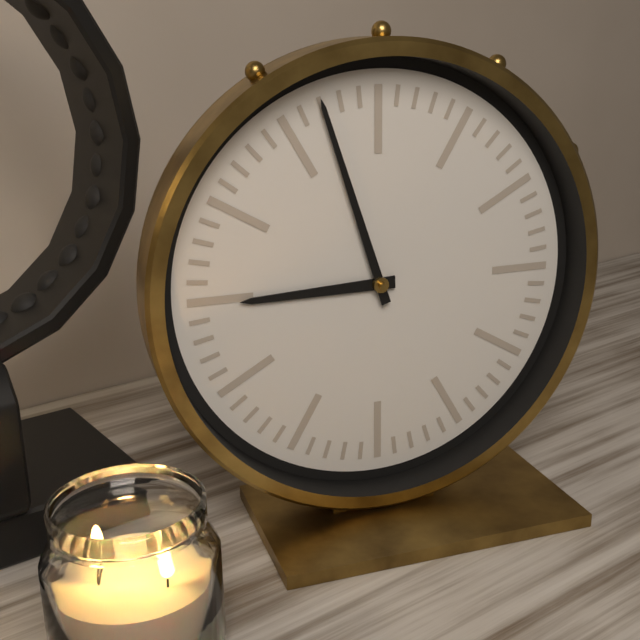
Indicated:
8.57
